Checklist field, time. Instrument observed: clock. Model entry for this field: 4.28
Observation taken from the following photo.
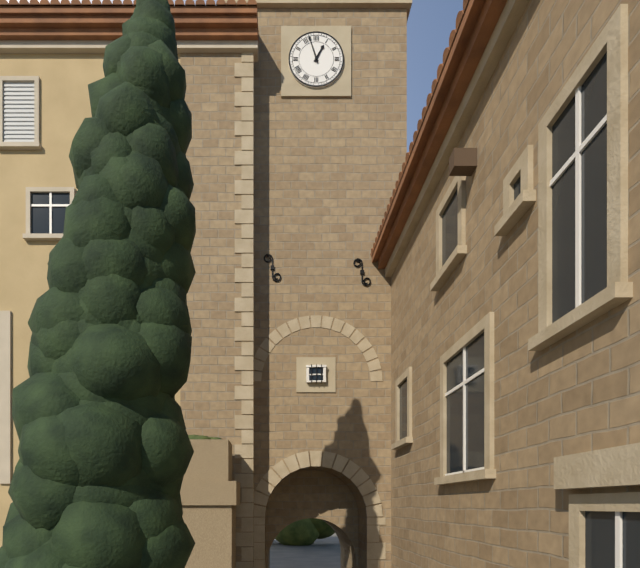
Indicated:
12.57
